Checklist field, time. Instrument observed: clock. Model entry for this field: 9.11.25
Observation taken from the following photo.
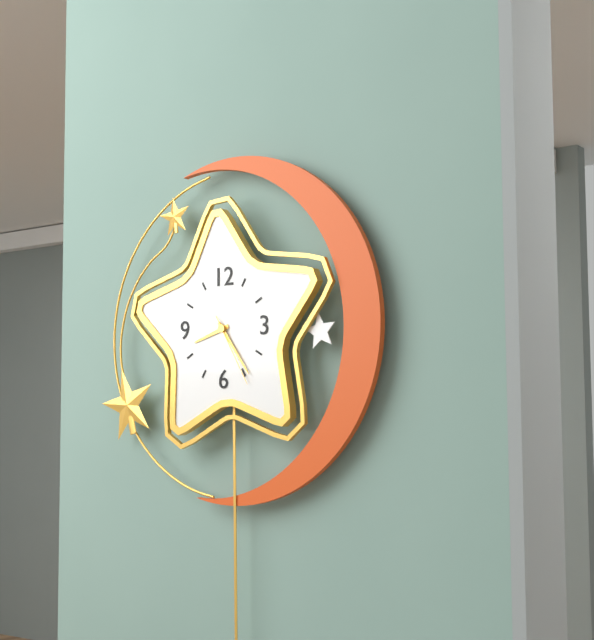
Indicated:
8.24.25
